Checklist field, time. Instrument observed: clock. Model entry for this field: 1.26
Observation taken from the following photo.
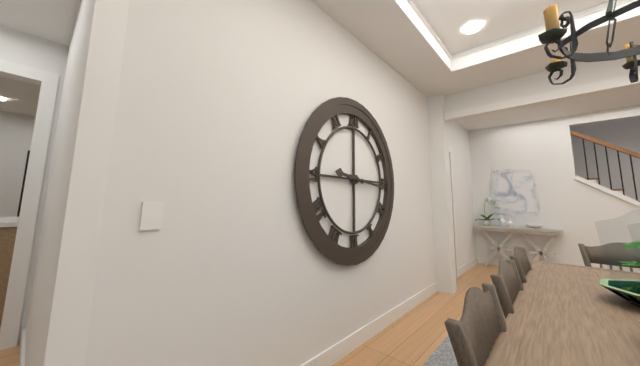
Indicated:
9.16
